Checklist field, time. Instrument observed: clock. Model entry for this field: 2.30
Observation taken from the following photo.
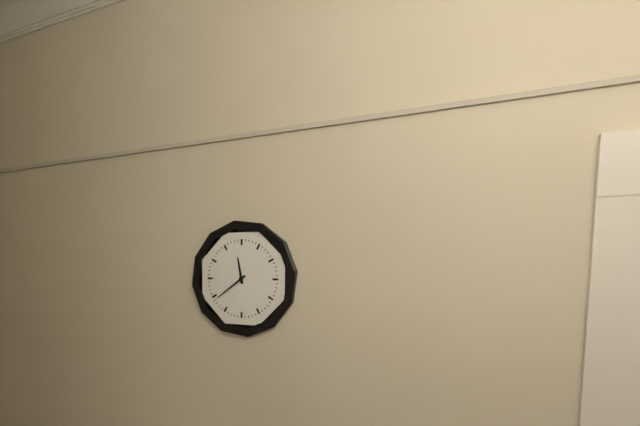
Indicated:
11.39
